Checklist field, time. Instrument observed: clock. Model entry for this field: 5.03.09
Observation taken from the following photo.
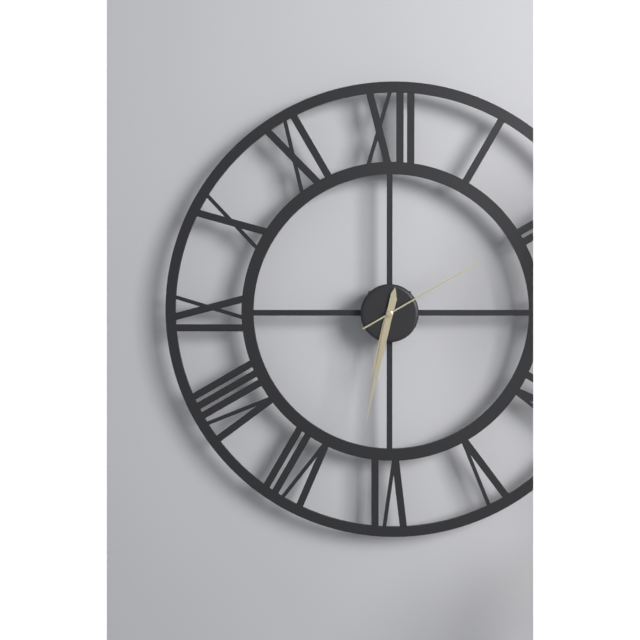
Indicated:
6.32.10
